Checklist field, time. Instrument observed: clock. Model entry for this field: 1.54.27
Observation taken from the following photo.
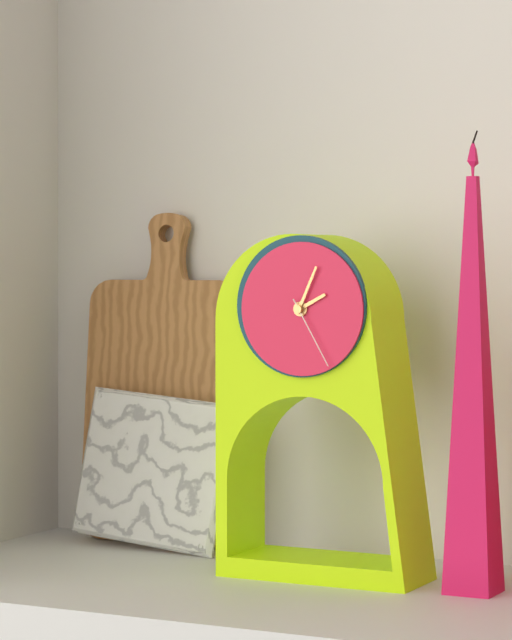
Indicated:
2.04.25
